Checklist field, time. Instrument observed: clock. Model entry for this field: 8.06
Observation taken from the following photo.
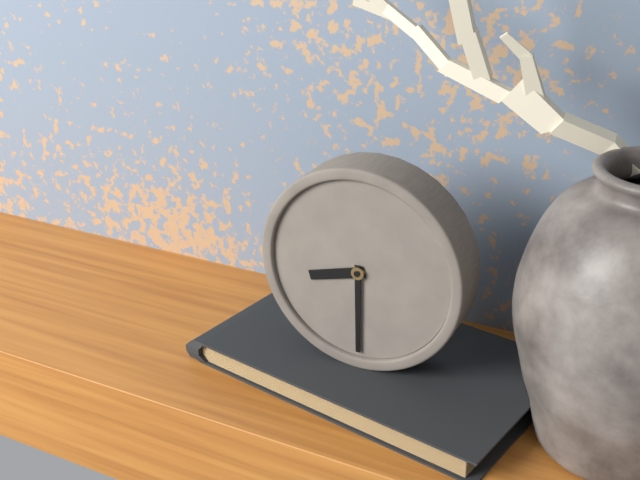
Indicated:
8.30
